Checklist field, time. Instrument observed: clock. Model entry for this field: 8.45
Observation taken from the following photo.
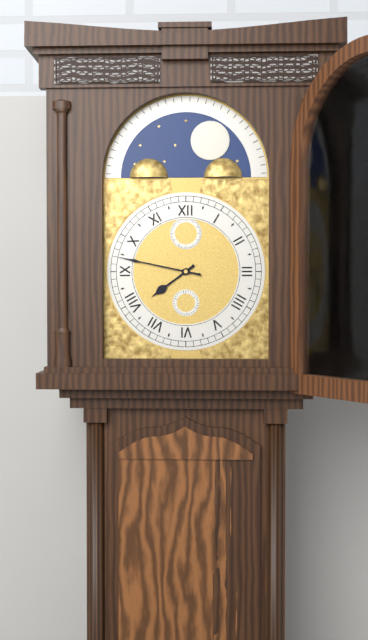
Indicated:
7.47
